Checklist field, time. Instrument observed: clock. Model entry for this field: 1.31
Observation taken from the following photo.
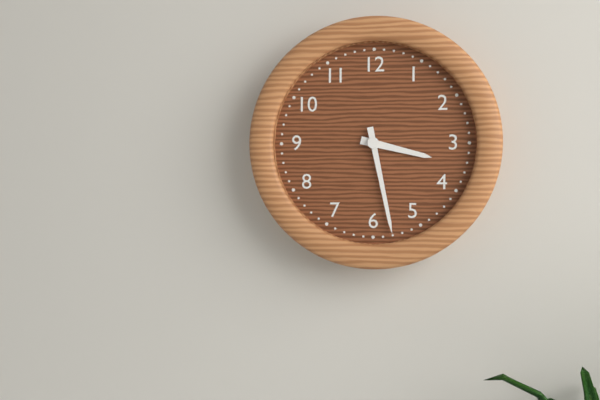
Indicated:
3.28
